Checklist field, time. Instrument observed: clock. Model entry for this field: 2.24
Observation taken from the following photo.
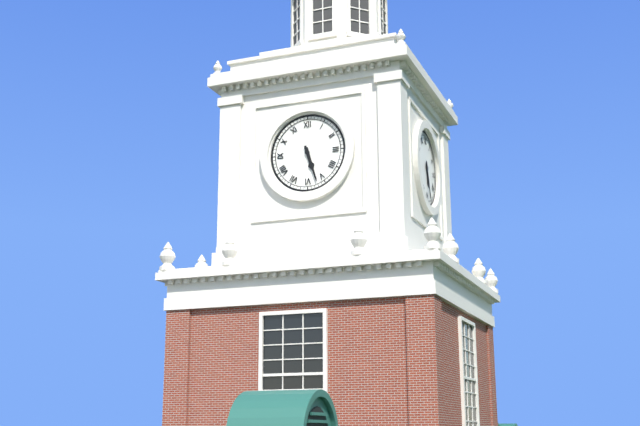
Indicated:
5.27
